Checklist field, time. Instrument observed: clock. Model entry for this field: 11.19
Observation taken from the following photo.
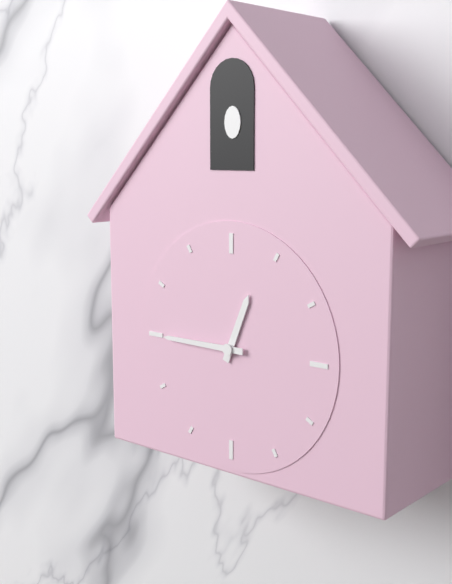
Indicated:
12.45
